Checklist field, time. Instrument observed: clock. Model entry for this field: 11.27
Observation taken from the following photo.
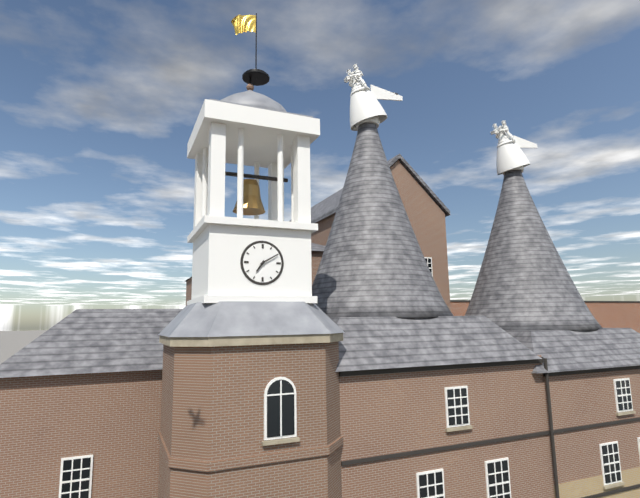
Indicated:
7.10
